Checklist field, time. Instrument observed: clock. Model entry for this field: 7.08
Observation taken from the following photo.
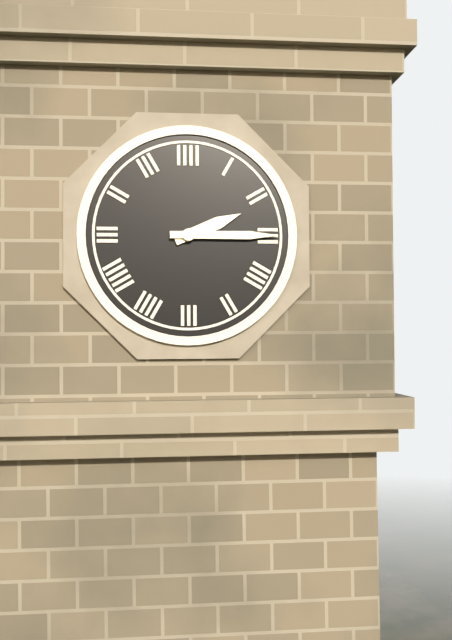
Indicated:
2.15
